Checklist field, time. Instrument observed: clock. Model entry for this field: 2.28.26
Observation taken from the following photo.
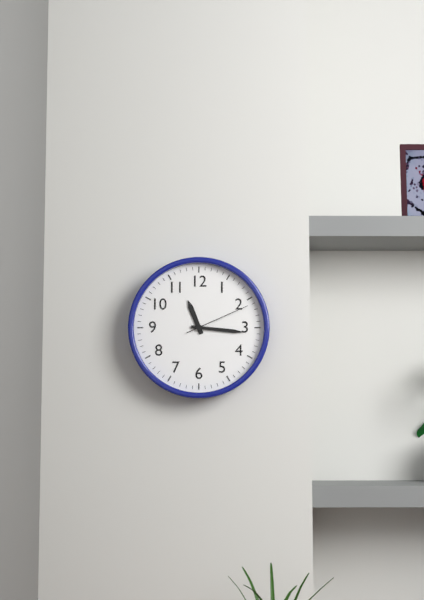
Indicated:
11.16.11
